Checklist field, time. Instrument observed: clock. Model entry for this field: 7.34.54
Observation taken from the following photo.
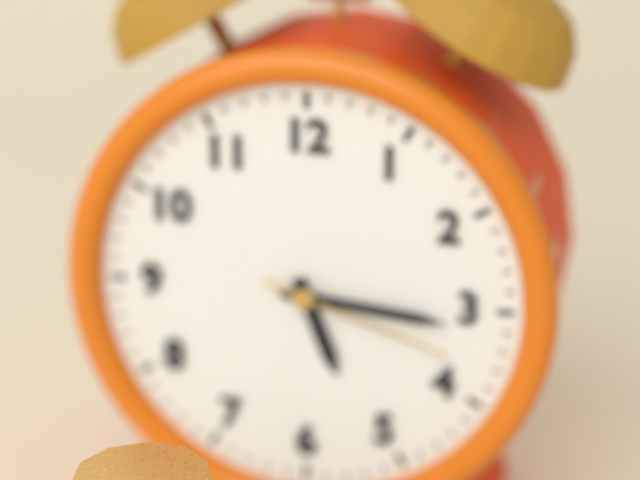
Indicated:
5.16.18
